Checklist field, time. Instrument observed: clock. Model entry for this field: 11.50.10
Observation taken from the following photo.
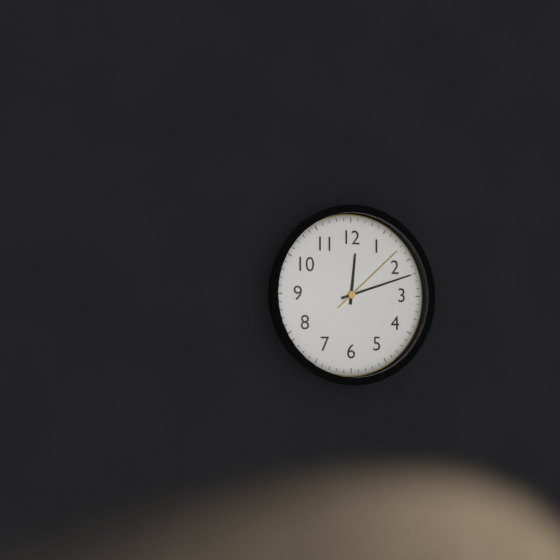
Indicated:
12.12.08
